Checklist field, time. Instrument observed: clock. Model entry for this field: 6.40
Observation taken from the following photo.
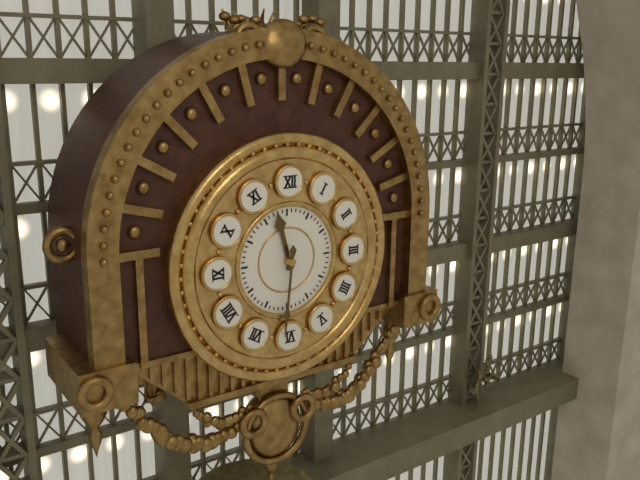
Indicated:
11.31
